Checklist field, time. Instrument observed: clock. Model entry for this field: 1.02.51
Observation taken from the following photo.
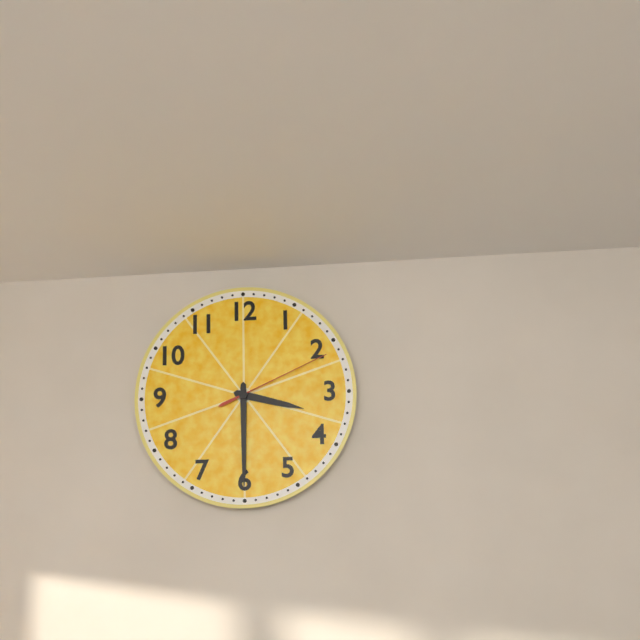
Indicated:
3.30.11
